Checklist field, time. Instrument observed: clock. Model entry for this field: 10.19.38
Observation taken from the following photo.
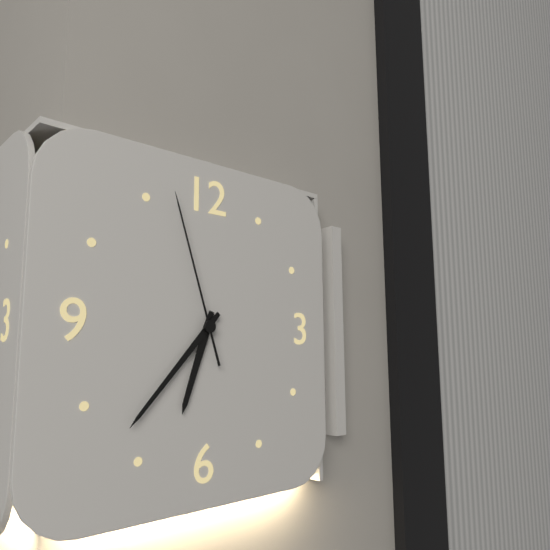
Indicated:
6.37.57
